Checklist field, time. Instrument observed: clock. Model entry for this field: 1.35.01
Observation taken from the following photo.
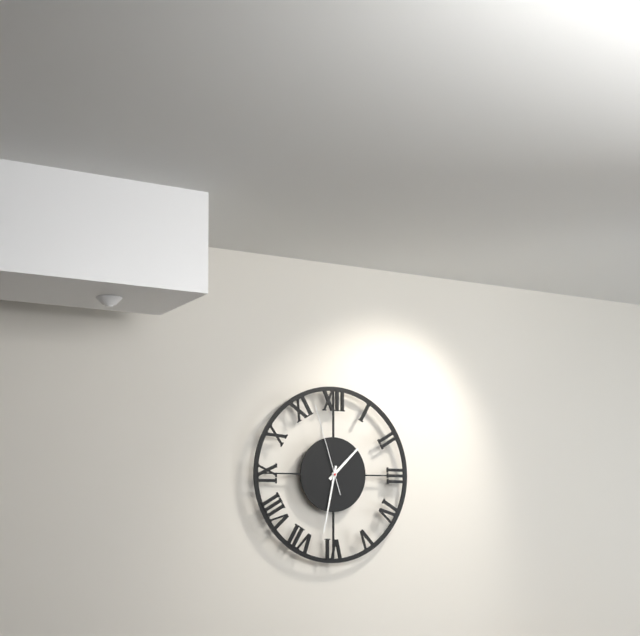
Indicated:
1.32.57
